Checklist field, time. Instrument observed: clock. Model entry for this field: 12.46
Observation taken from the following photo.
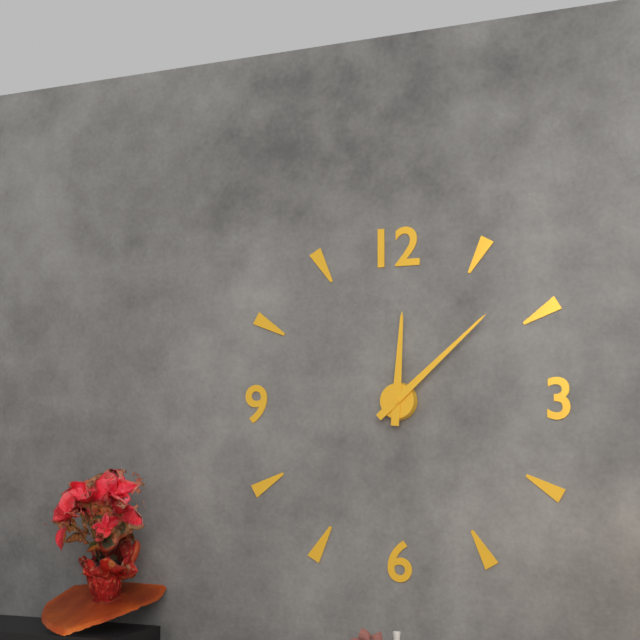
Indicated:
12.08
